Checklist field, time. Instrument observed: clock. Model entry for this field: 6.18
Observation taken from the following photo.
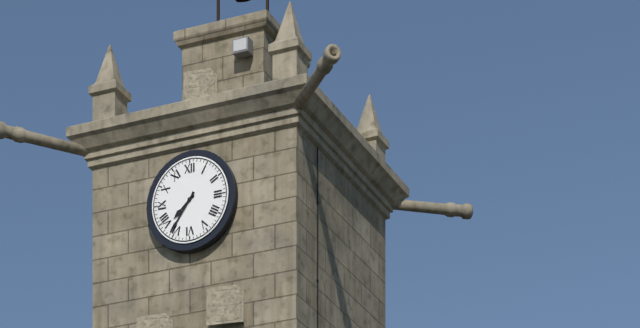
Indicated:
7.36
